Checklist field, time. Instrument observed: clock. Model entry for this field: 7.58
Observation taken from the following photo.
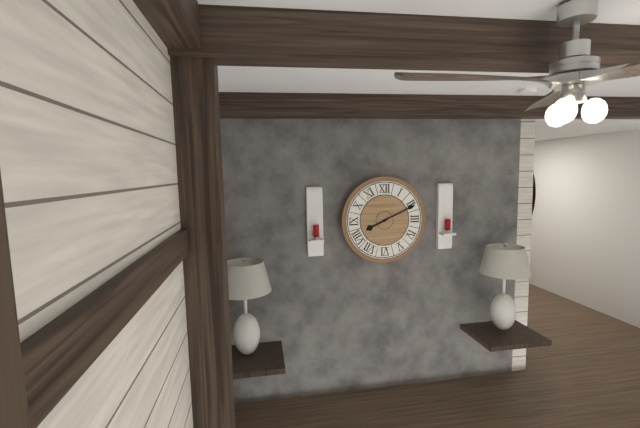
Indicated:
8.11
